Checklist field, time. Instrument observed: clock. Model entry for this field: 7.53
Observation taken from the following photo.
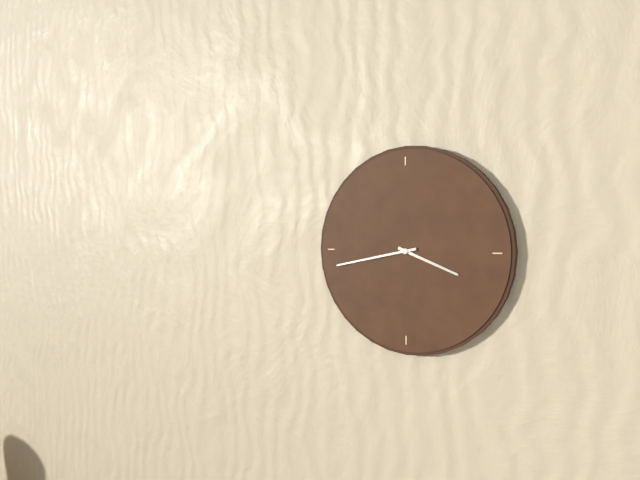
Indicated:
3.43
